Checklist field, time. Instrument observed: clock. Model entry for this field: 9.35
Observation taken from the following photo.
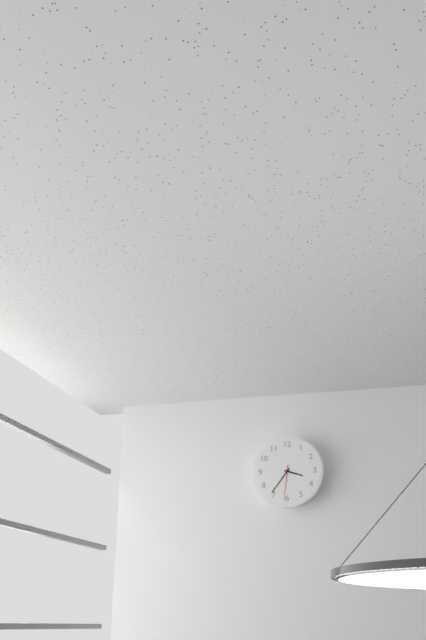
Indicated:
3.36
